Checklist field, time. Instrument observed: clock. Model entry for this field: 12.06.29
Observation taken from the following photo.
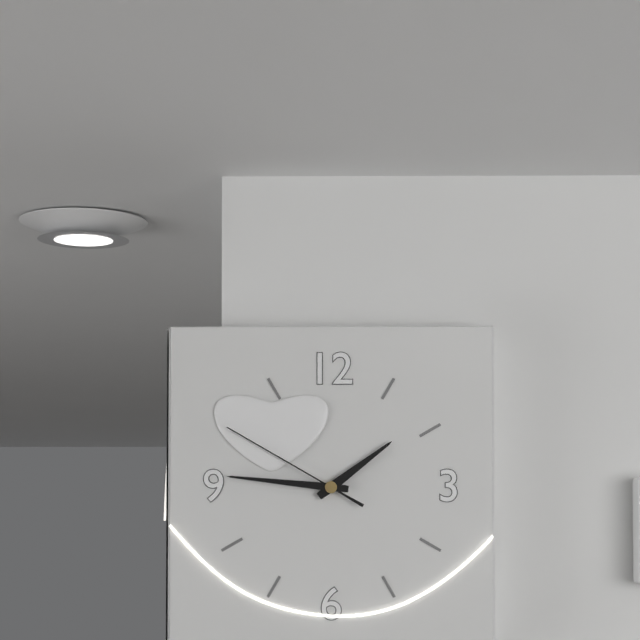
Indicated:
1.46.50
